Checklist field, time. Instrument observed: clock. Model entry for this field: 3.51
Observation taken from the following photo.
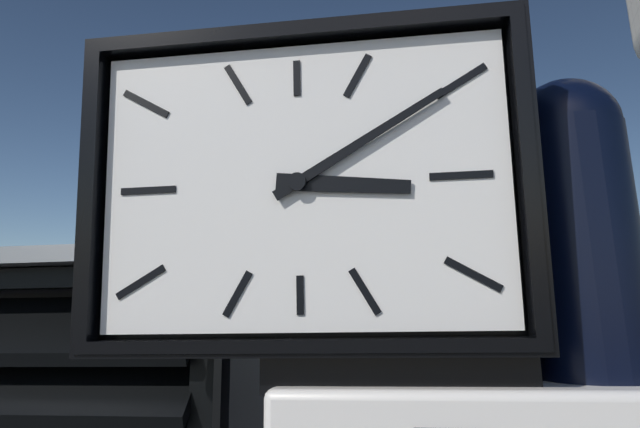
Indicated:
3.10
